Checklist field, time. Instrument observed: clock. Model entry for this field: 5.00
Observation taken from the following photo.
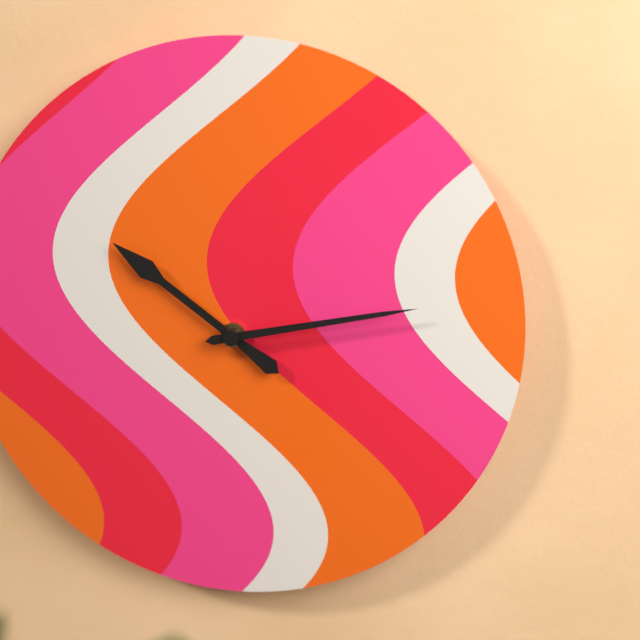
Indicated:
10.13
